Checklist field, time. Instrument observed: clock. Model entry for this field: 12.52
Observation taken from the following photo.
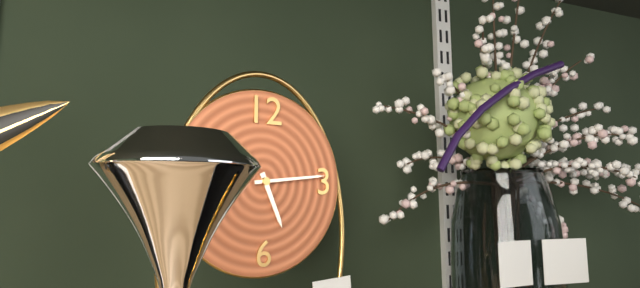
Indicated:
5.14
